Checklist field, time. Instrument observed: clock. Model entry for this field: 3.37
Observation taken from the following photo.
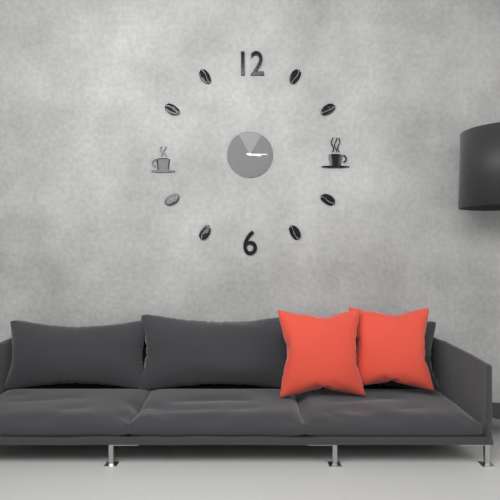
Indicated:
3.15
